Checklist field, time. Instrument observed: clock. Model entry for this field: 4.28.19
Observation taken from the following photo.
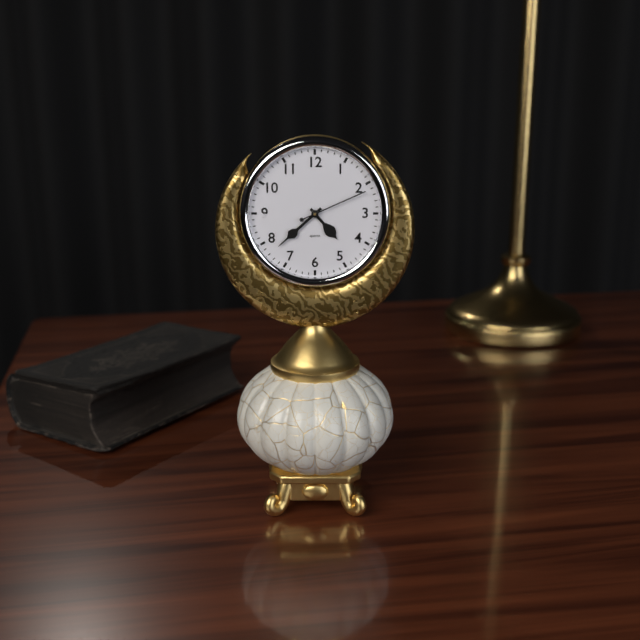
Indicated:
4.38.11
